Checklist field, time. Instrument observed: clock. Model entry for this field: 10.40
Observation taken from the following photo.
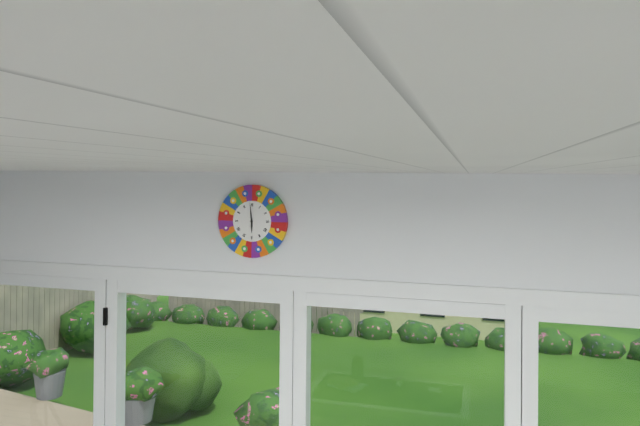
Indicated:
5.59
